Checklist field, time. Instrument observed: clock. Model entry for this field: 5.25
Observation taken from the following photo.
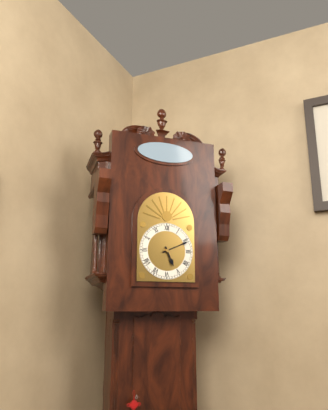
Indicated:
5.11
